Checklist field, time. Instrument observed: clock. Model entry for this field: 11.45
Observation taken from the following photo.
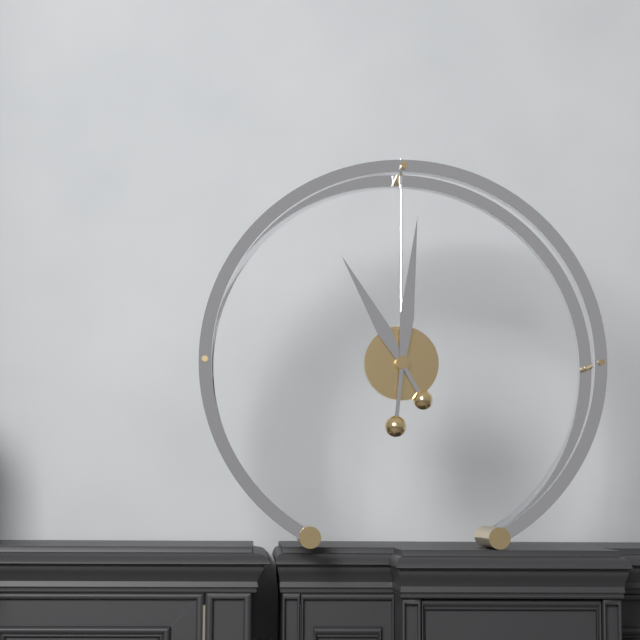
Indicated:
11.01
